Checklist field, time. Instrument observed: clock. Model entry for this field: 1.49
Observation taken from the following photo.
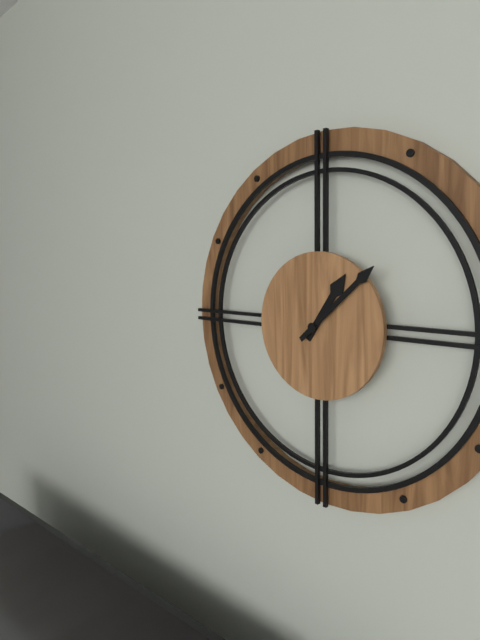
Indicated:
1.08
